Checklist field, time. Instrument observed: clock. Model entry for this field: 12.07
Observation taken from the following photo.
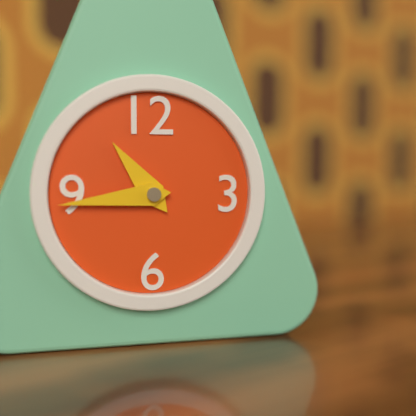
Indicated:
10.44
